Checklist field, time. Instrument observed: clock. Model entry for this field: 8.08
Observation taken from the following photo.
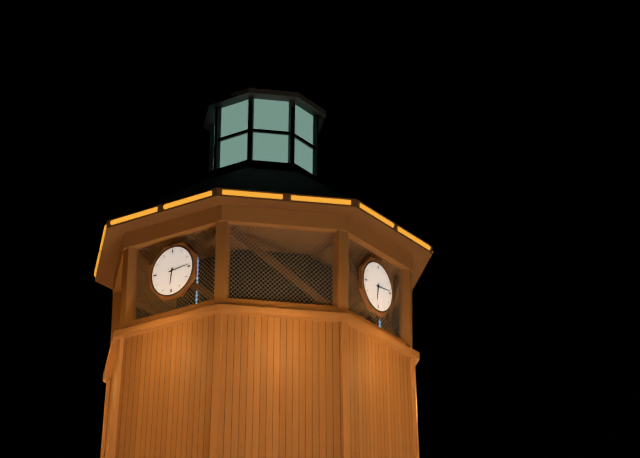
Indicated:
6.14
